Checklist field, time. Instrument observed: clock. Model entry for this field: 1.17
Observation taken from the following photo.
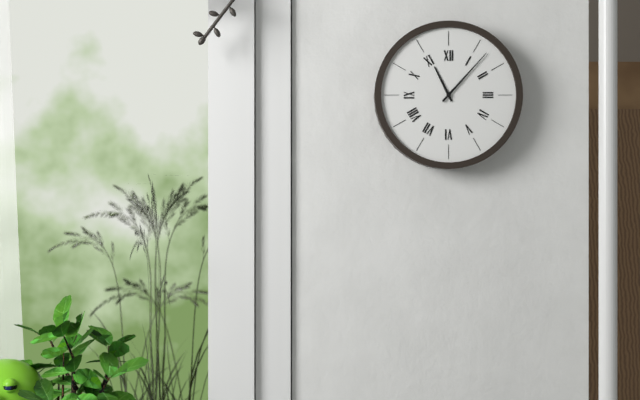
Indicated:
11.07
